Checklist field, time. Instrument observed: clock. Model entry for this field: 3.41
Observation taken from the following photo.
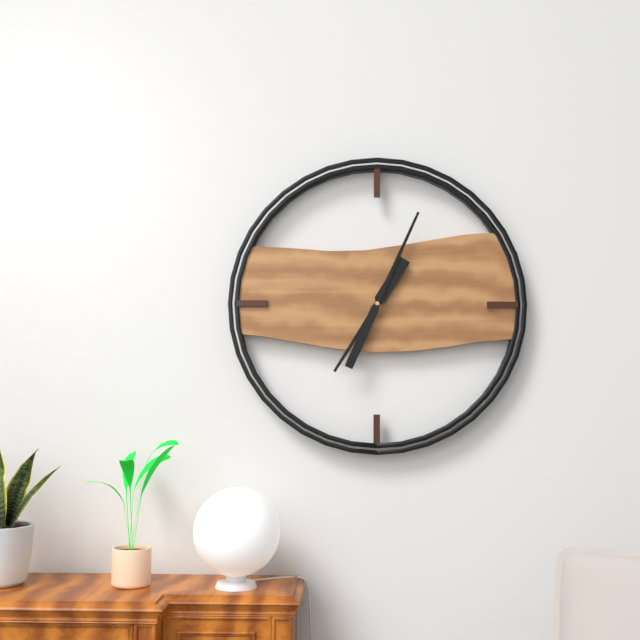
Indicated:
7.04
